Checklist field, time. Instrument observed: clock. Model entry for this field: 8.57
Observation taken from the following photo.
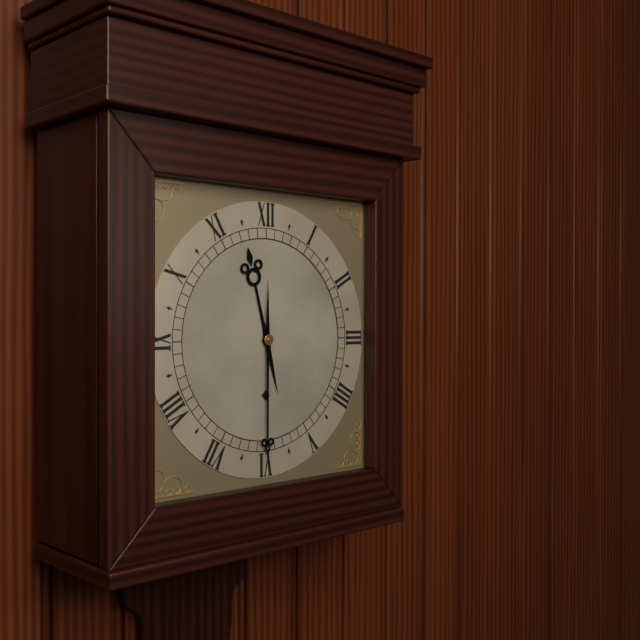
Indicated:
11.30
